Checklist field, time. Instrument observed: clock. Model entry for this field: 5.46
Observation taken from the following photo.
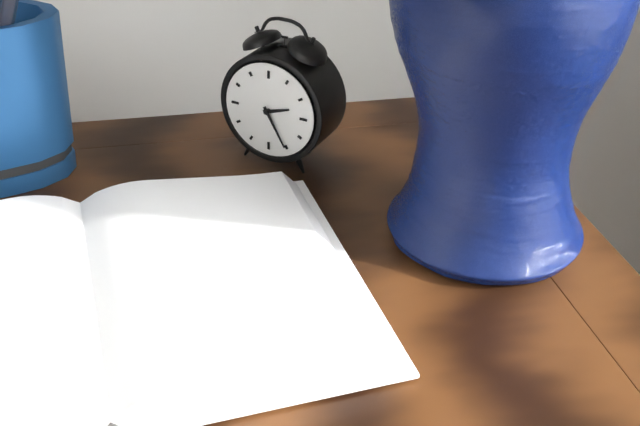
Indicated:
2.25
